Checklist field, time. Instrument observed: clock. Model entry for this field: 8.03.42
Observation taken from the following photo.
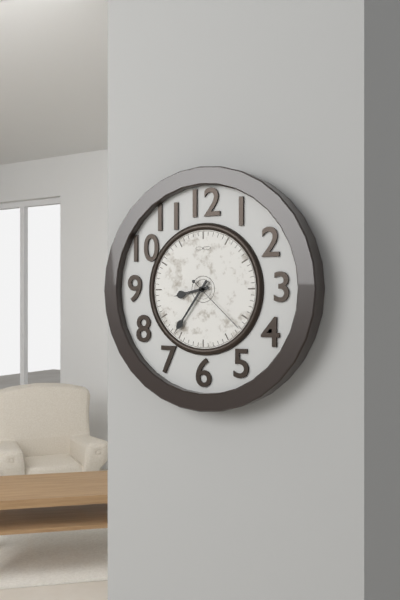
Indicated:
8.36.22
